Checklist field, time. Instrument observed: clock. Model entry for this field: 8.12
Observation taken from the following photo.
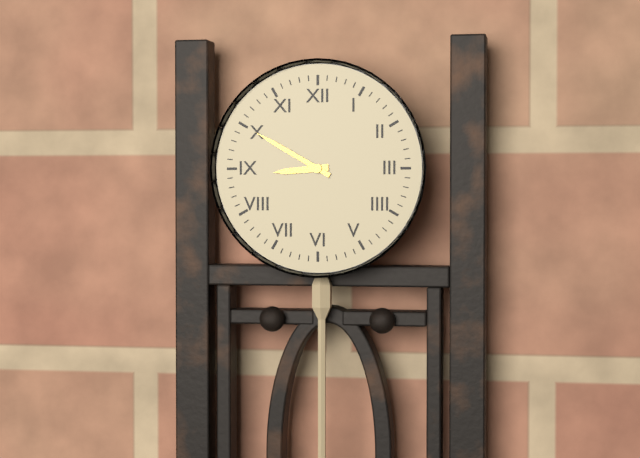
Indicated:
8.50
